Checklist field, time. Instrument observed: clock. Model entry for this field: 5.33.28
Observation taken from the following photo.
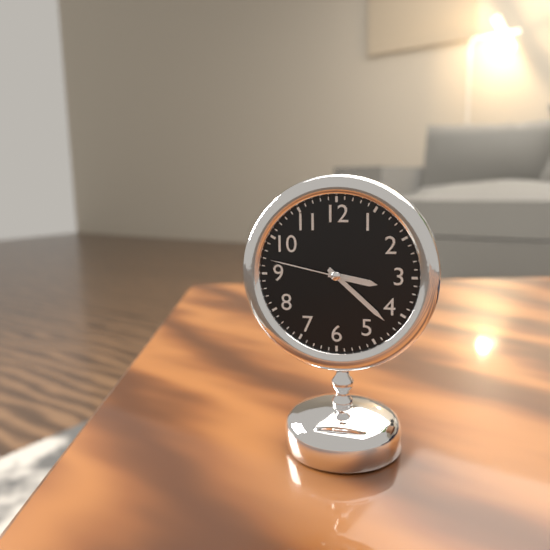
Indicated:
3.22.47
